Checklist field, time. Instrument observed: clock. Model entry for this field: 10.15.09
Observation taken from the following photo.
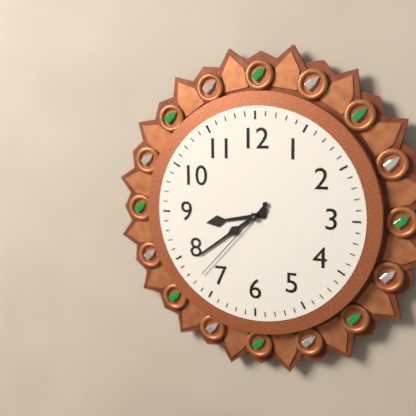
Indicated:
8.39.37
